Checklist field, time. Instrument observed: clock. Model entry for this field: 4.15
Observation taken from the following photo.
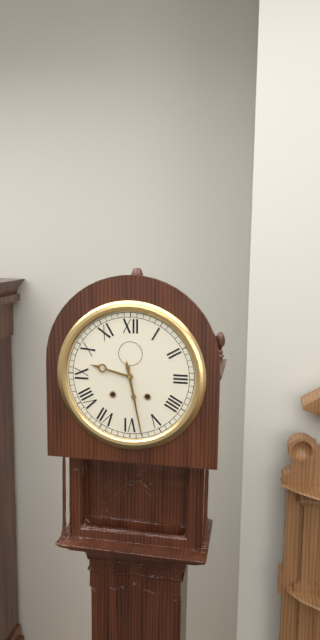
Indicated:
9.28
